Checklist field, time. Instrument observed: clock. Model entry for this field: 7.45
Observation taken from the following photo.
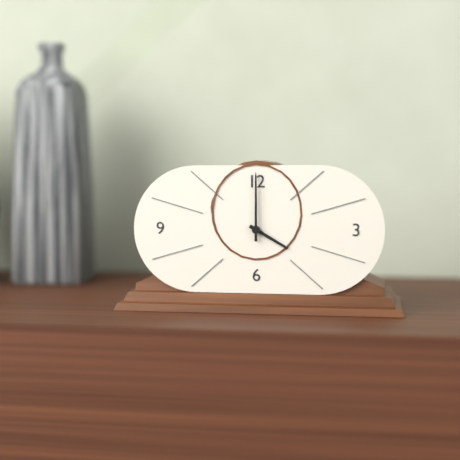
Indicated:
4.00
